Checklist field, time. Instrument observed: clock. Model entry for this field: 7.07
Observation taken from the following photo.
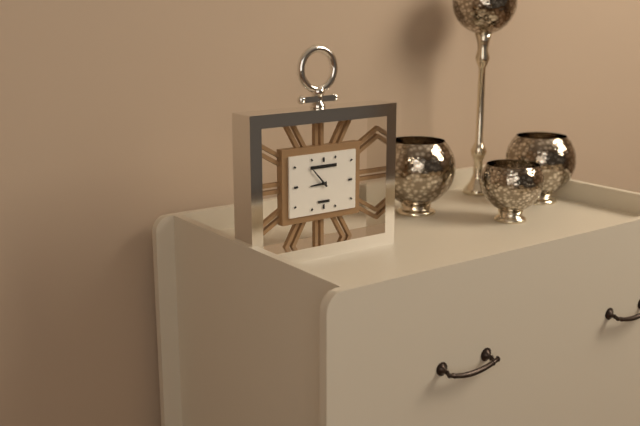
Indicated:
8.53
